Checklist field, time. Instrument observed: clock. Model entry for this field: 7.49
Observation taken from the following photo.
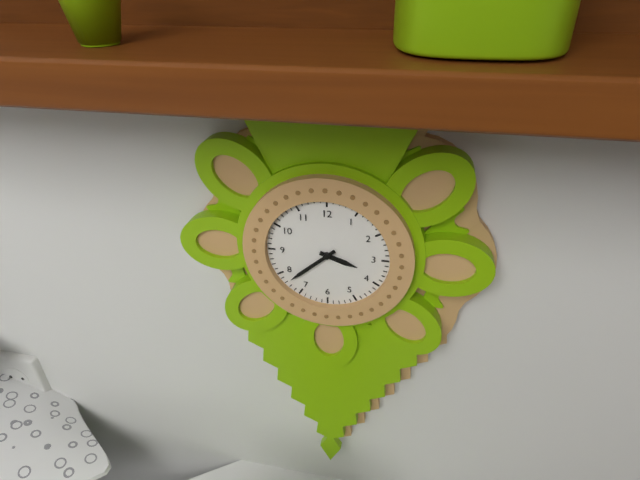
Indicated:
3.38
